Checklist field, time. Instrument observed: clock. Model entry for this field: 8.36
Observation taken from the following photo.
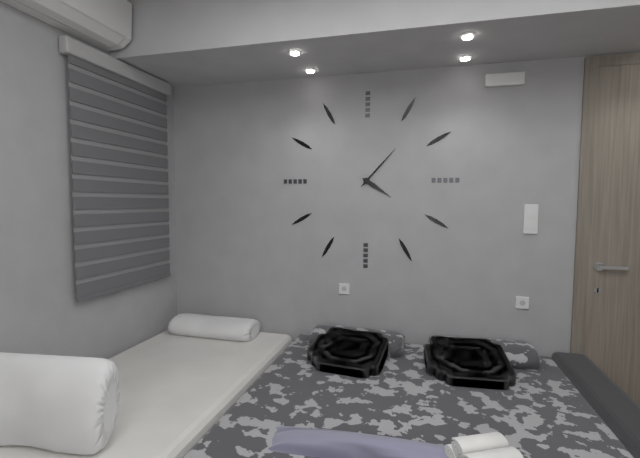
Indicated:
4.07
